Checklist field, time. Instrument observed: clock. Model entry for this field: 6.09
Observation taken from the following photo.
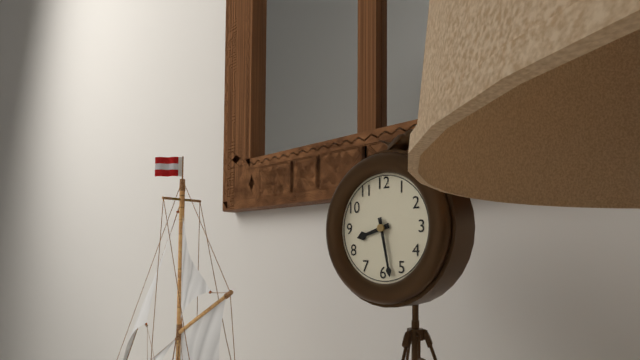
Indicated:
8.28
